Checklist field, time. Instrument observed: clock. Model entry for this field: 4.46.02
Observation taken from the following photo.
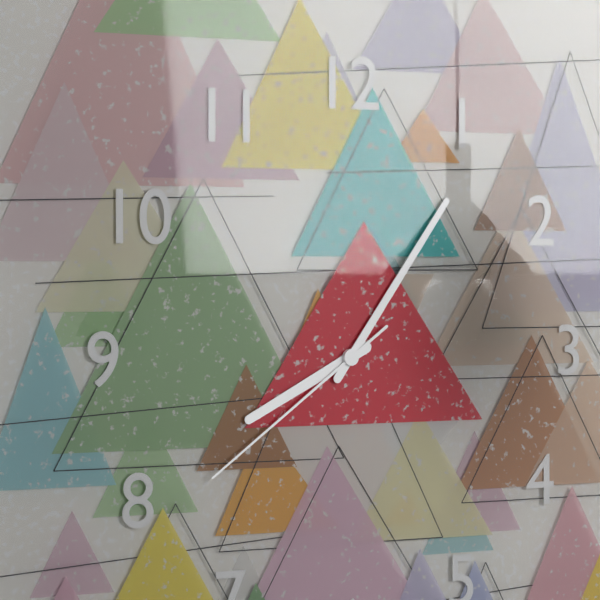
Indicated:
8.06.39
